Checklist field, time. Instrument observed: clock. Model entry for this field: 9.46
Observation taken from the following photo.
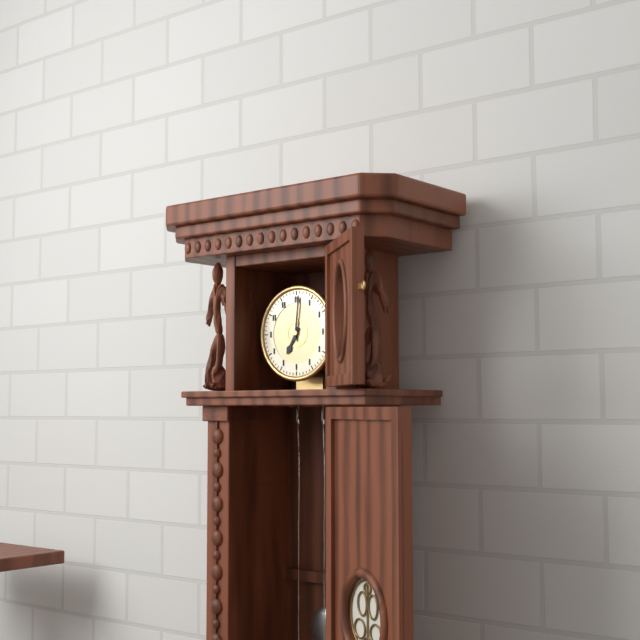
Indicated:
7.01
